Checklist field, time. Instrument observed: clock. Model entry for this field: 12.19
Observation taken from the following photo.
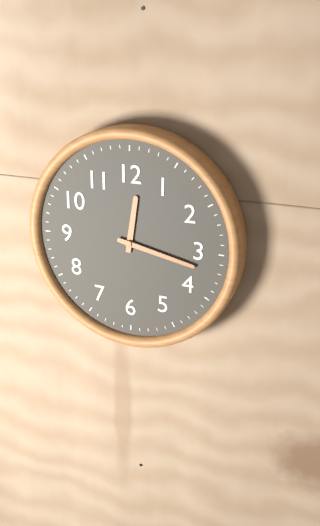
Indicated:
12.17
